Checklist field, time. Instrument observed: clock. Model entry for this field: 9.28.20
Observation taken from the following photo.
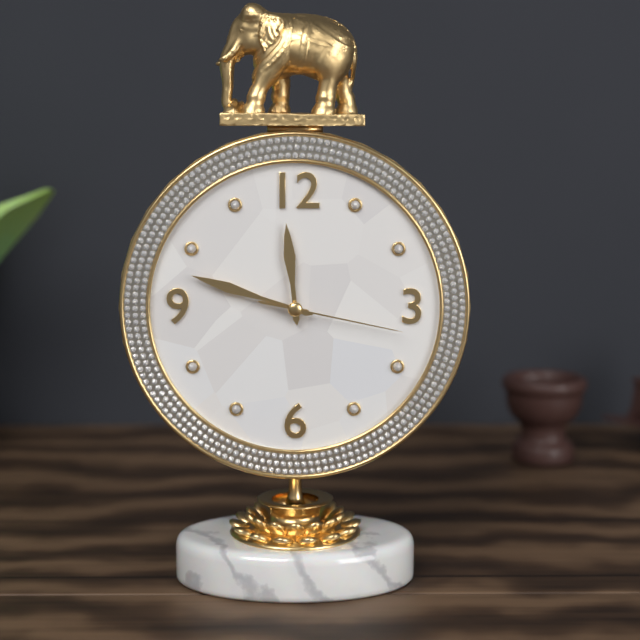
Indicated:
11.48.17
